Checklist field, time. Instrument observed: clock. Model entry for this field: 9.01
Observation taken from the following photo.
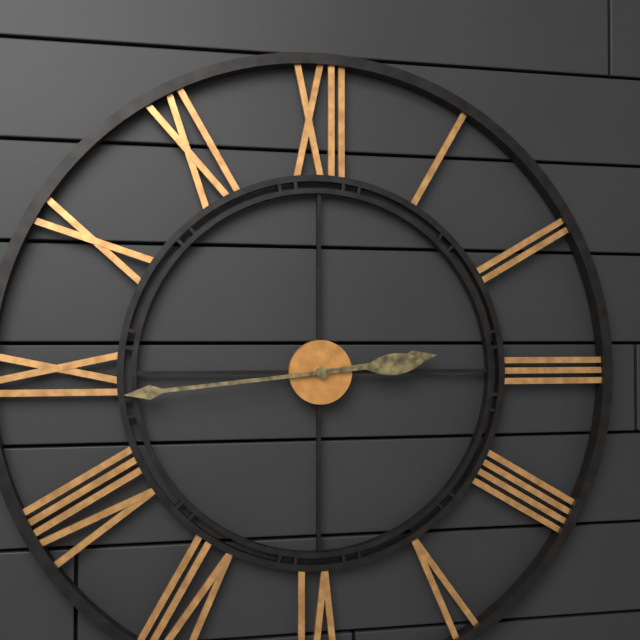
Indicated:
2.44
